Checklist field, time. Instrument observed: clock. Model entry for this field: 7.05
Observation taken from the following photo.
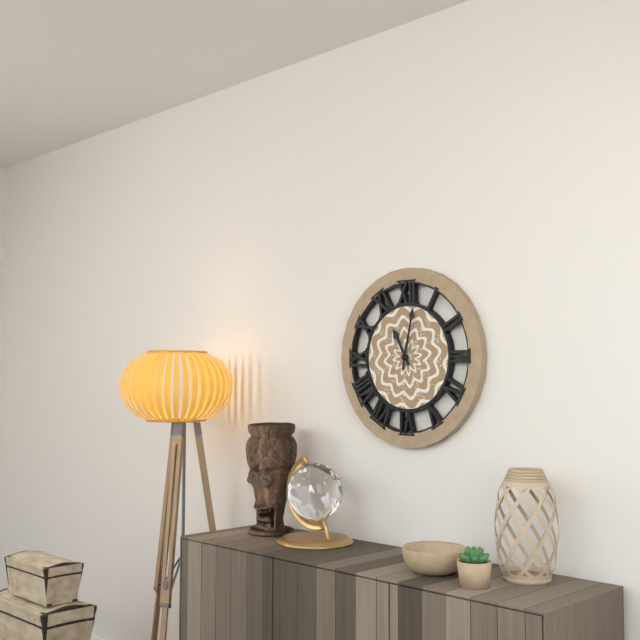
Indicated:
11.02
